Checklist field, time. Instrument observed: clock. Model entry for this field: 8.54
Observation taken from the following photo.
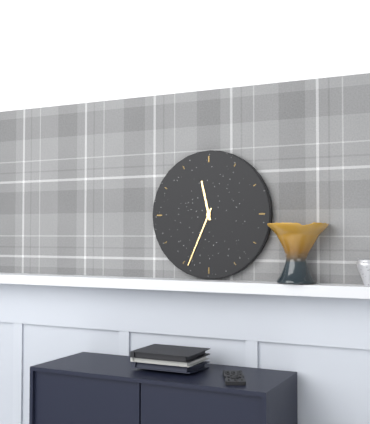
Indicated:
11.34
